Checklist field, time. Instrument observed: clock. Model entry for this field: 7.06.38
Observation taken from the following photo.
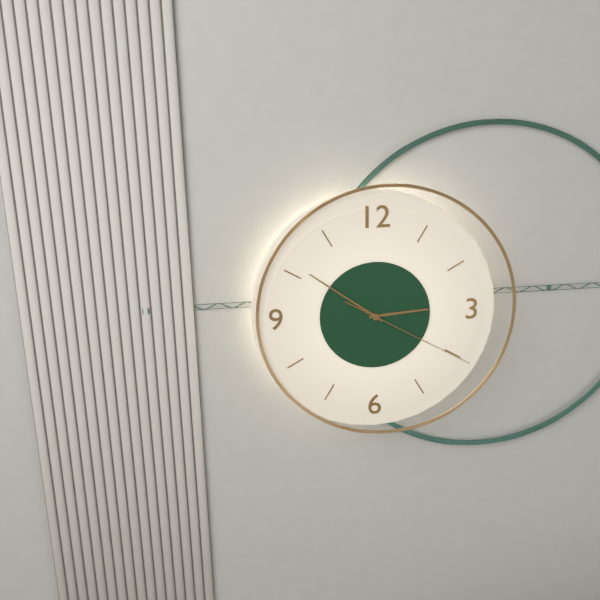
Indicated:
2.51.20
